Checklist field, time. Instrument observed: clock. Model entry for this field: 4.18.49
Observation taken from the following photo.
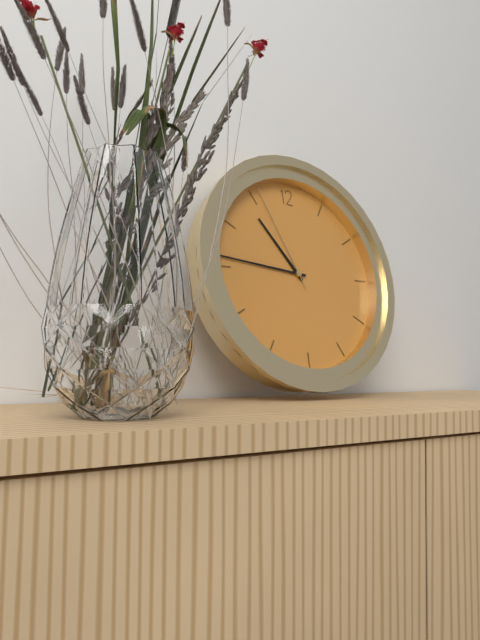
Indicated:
10.46.56
